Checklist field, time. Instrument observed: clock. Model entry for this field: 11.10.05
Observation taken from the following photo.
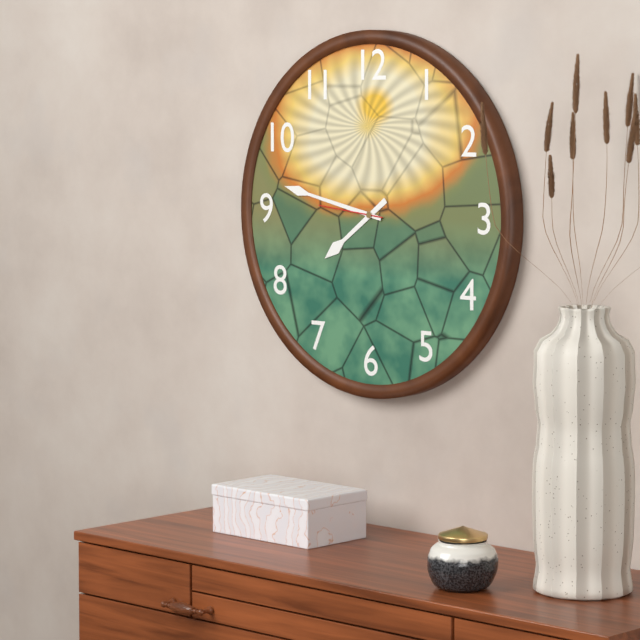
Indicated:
7.47.46
